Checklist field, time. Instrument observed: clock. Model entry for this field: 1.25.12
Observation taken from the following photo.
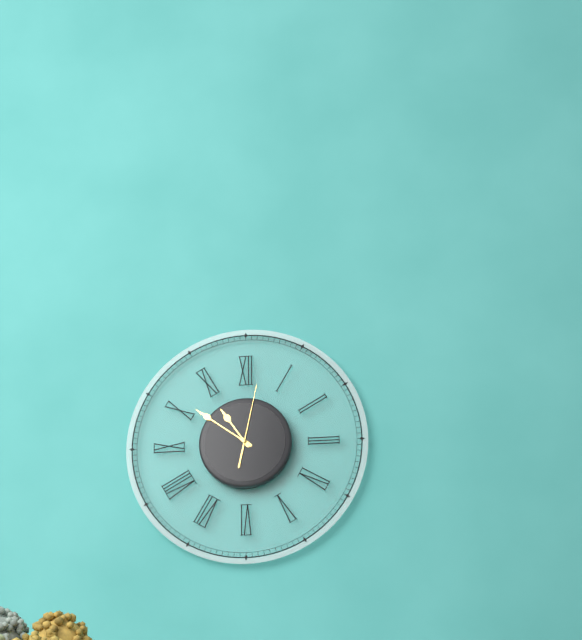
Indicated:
10.51.02
